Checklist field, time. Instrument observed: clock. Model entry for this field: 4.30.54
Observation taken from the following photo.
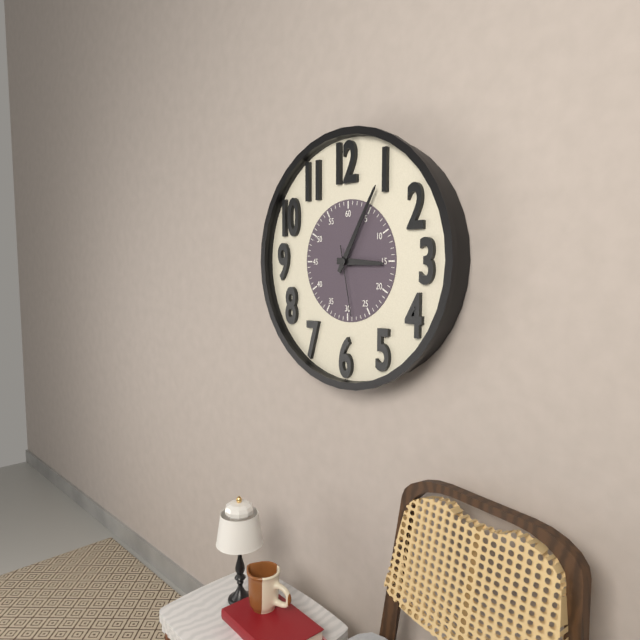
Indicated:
3.05.28
